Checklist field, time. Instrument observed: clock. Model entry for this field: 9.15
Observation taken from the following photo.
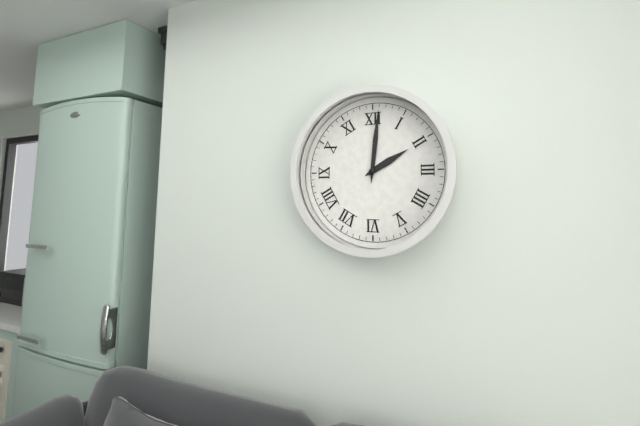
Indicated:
2.01
